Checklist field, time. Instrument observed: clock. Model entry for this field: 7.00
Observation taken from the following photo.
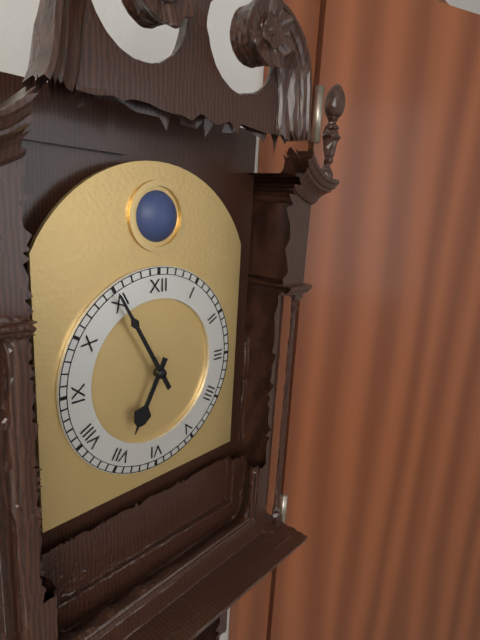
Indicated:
6.55
